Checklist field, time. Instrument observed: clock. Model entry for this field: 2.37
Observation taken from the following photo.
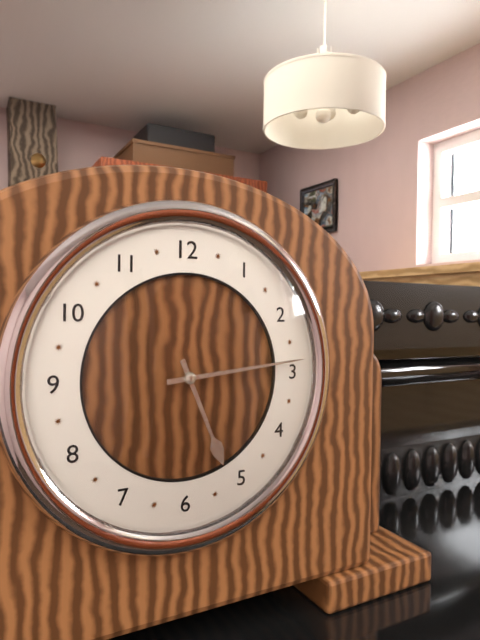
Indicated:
5.14
